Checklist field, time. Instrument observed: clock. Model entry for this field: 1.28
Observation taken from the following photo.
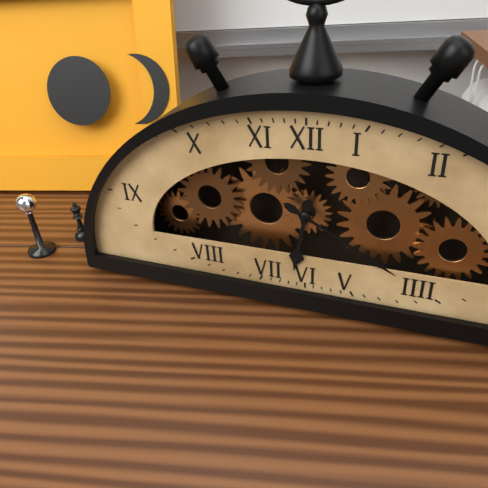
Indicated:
6.20
